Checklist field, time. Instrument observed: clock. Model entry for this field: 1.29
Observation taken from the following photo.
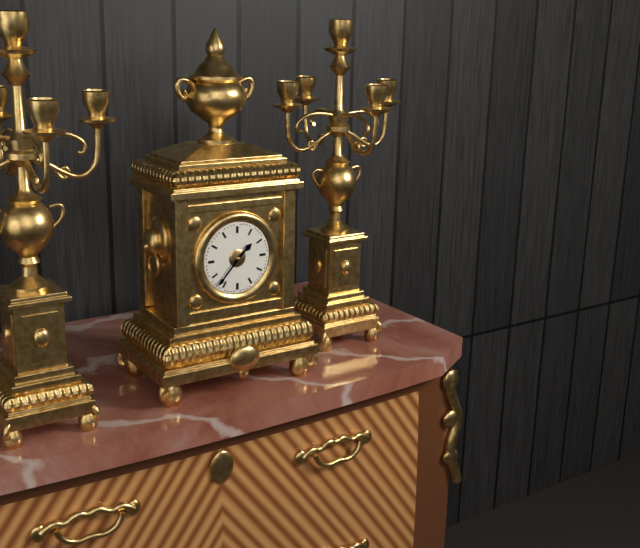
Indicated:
1.37
